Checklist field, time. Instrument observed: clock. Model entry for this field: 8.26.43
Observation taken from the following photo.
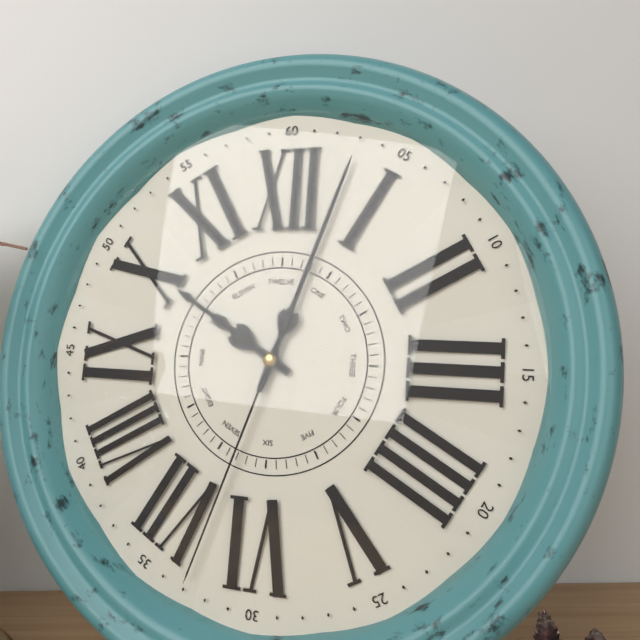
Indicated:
10.03.33
